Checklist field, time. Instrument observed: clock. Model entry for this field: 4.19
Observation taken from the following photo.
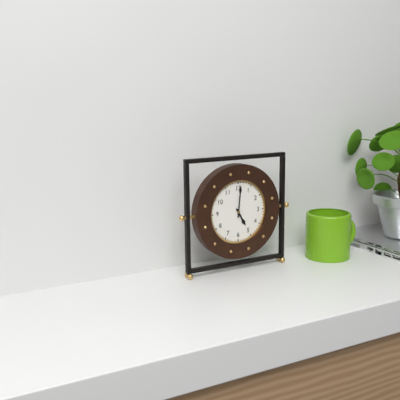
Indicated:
5.01
